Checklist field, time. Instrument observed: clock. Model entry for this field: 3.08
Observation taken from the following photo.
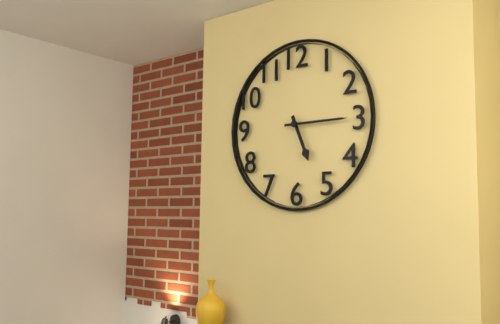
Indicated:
5.15
